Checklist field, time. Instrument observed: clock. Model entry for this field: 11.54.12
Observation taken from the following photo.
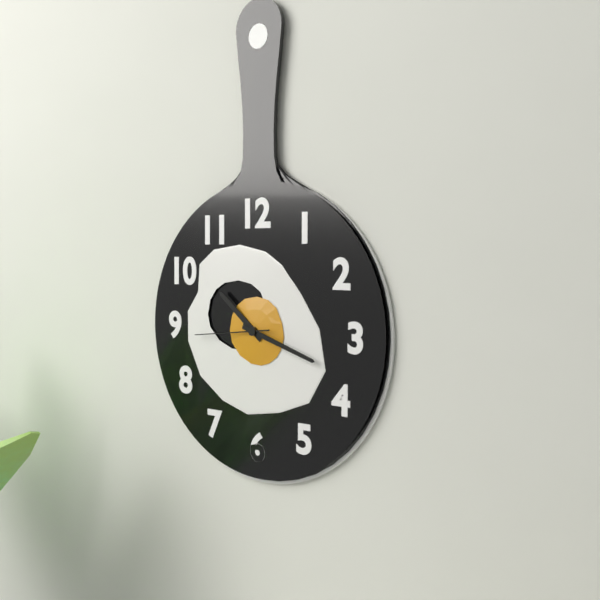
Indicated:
10.18.44
